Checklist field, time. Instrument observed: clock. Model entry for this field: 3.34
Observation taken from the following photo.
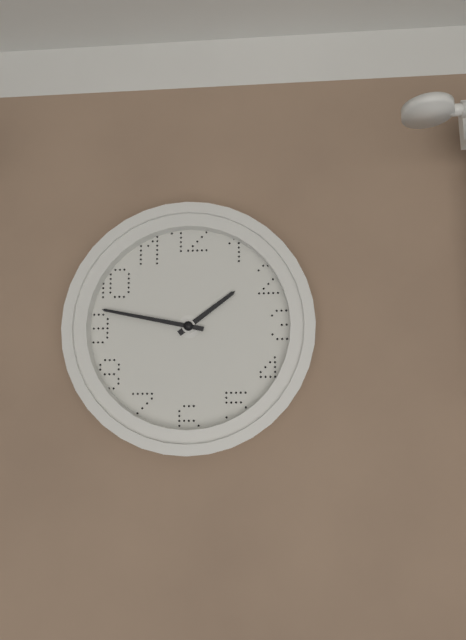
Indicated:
1.47
